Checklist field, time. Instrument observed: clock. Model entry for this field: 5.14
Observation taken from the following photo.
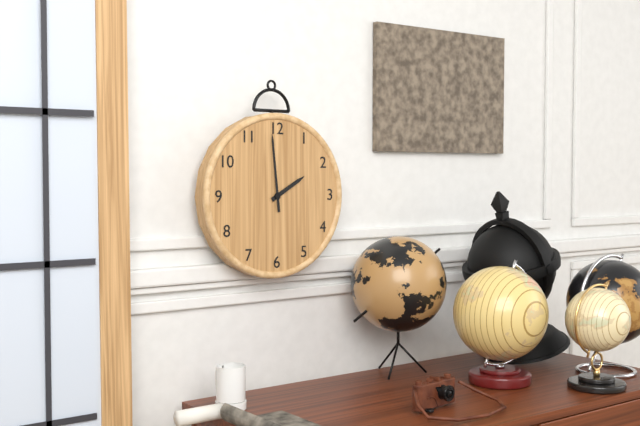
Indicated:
1.59
